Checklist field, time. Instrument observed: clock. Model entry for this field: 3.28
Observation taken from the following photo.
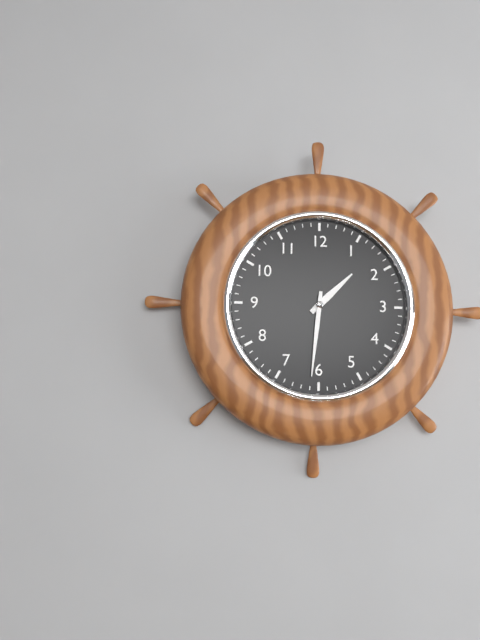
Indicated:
1.31
